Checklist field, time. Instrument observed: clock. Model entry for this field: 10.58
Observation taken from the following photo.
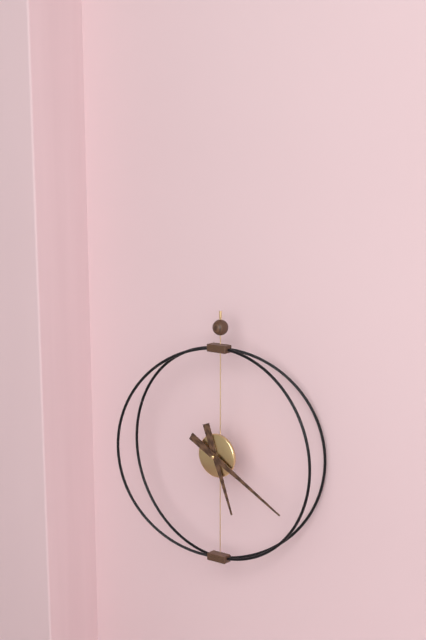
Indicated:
5.20
